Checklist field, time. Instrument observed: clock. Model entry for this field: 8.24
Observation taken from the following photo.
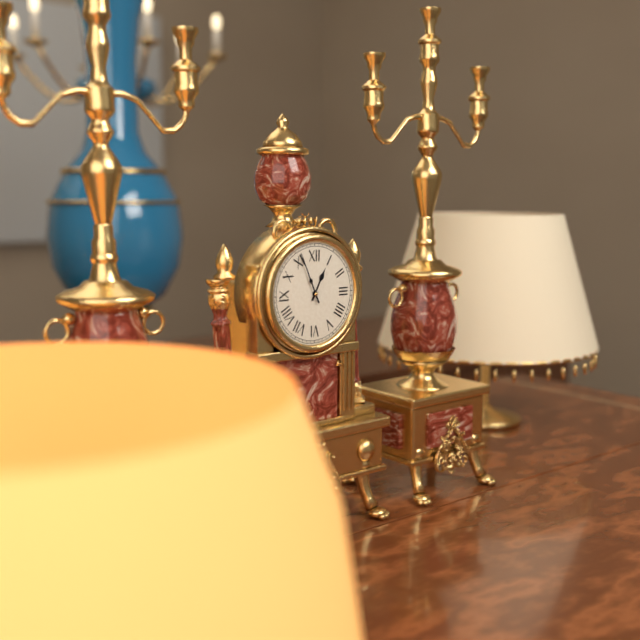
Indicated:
12.56
